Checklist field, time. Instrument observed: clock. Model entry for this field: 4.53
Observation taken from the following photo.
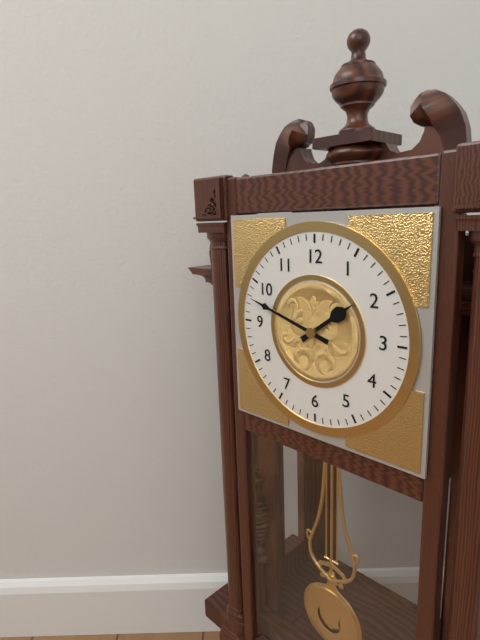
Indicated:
1.48
